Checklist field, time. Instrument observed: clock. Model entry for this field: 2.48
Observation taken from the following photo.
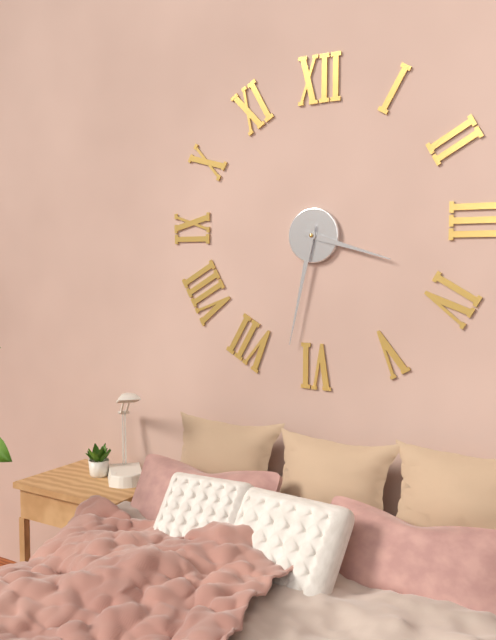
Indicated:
3.32
